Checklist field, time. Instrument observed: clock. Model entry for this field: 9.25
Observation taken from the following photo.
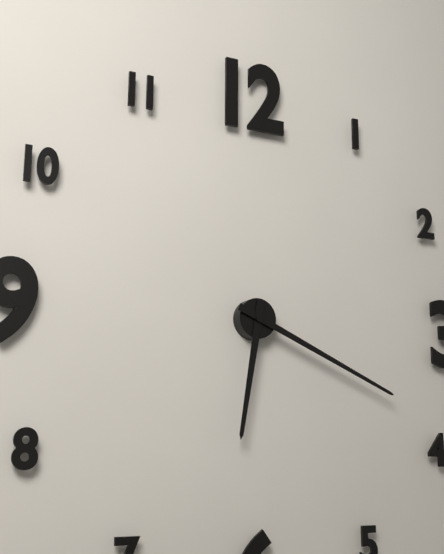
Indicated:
6.19
